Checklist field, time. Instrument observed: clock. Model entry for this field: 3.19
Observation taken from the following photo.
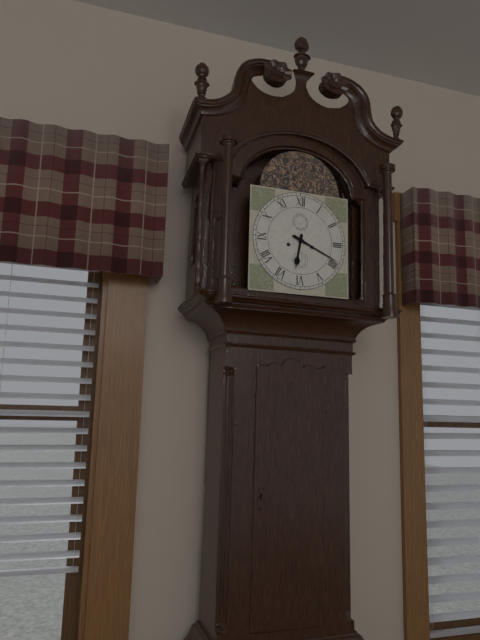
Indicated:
6.19
